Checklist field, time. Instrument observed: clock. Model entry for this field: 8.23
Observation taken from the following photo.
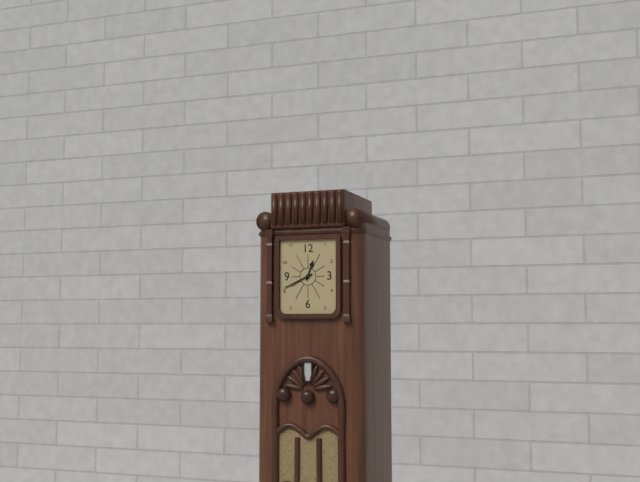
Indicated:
12.41
